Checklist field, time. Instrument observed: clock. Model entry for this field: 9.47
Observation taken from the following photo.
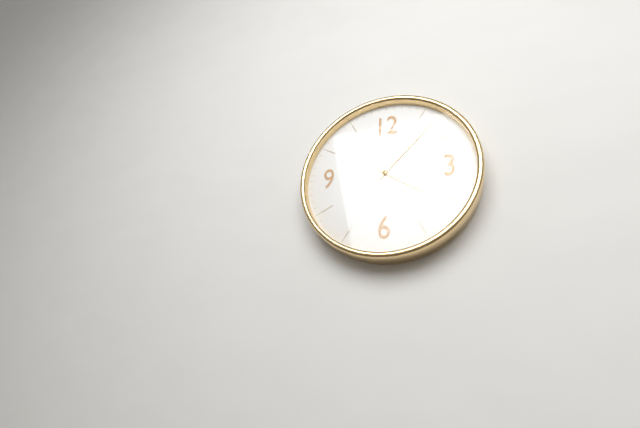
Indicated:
4.07
